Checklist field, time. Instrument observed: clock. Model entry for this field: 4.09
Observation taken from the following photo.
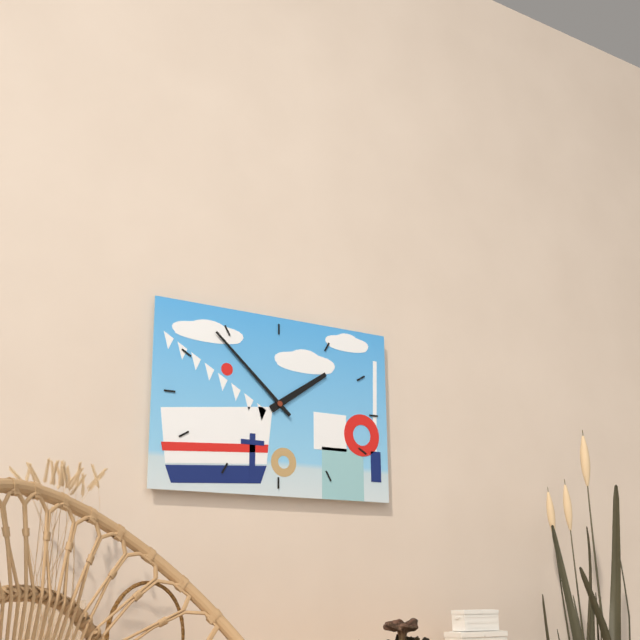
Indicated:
1.52
